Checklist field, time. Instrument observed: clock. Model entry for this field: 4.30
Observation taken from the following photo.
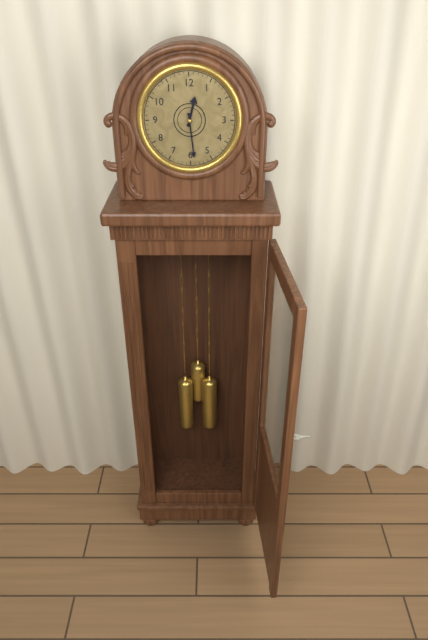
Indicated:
12.29
